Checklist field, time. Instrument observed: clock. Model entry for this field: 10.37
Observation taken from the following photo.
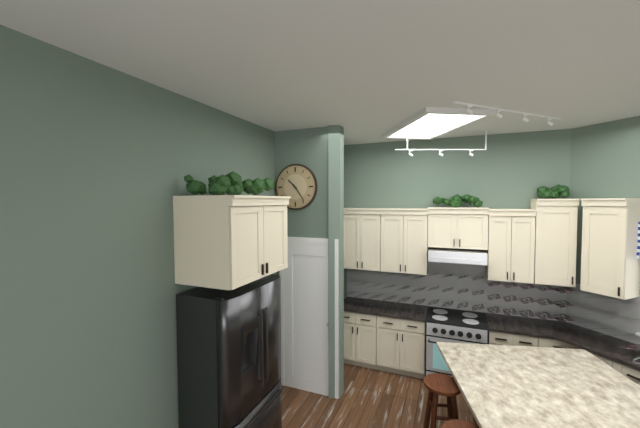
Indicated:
10.24
